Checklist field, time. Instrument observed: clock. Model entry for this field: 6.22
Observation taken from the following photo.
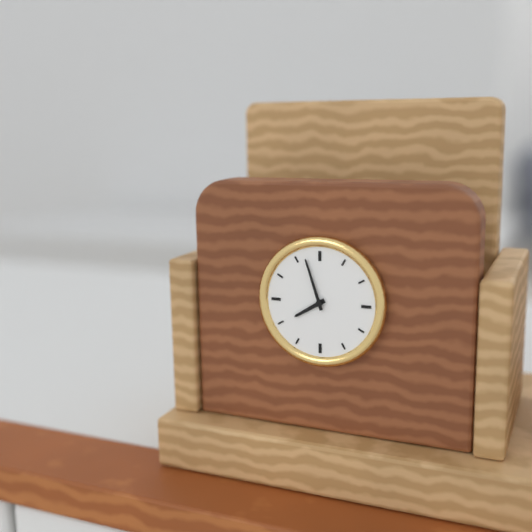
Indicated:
7.57
